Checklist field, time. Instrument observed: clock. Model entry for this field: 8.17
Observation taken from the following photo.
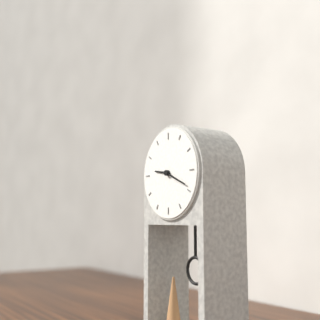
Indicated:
9.19
